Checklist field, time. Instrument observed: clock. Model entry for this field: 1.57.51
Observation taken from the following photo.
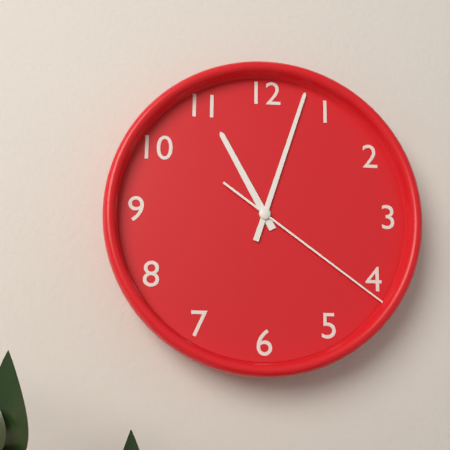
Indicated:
11.03.21
